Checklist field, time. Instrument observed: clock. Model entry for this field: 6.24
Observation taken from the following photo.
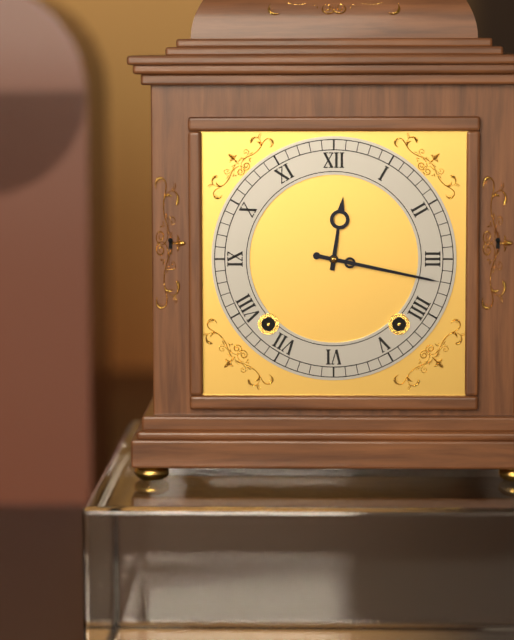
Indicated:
12.17
